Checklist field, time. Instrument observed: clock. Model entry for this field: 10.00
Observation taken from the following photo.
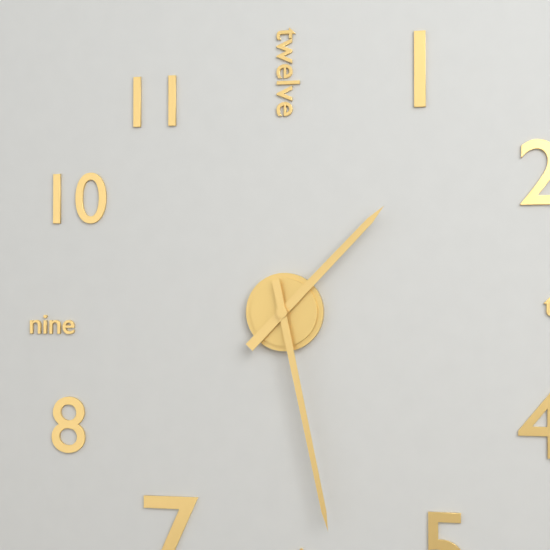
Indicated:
1.28
